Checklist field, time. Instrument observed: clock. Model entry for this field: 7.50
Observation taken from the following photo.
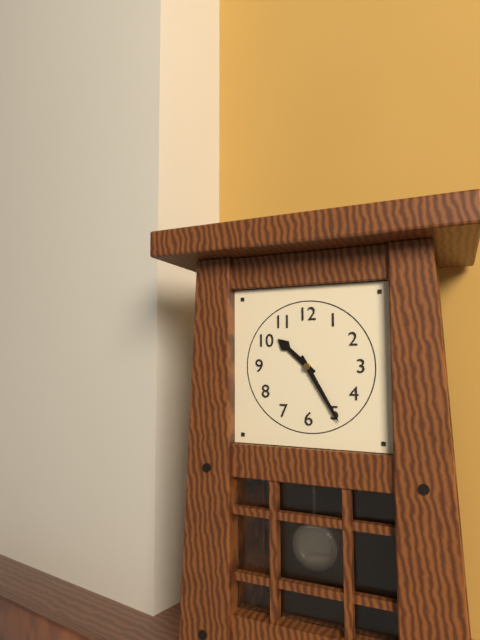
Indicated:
10.25
